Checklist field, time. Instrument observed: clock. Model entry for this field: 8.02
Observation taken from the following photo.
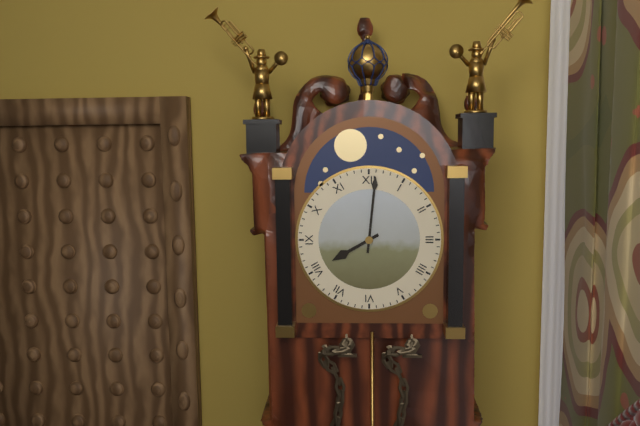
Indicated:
8.01
